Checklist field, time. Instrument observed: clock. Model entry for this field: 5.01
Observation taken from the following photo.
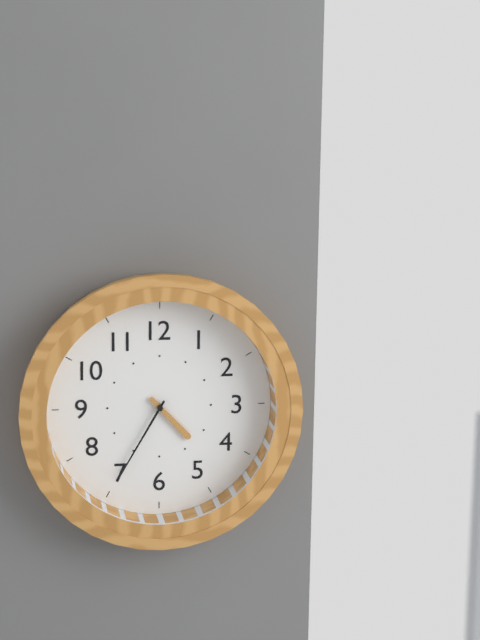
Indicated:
4.35
